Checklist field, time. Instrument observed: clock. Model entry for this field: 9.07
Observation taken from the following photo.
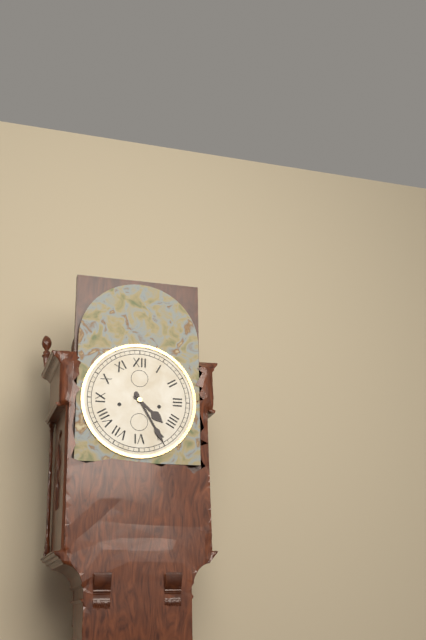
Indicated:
4.25
